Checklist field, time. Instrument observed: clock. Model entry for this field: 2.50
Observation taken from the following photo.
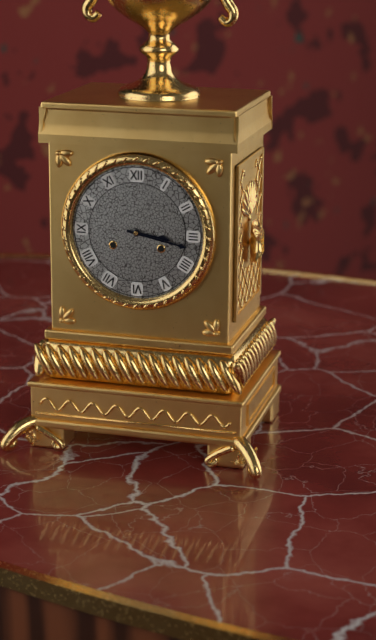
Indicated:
3.17
